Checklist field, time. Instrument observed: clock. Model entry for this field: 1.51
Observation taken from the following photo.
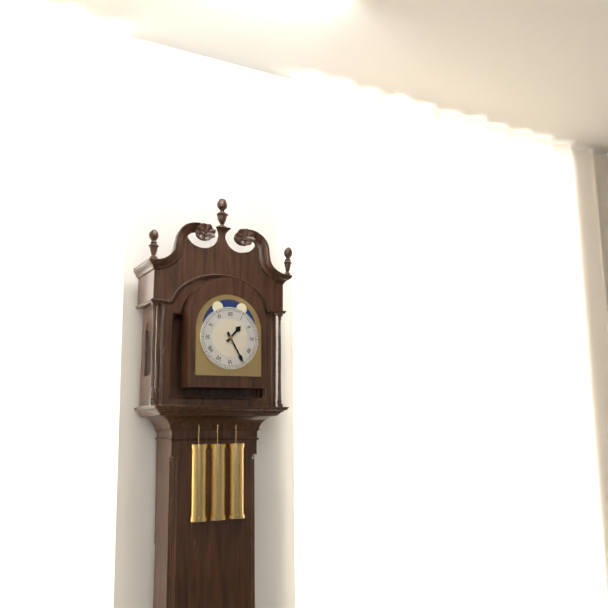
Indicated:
1.25
